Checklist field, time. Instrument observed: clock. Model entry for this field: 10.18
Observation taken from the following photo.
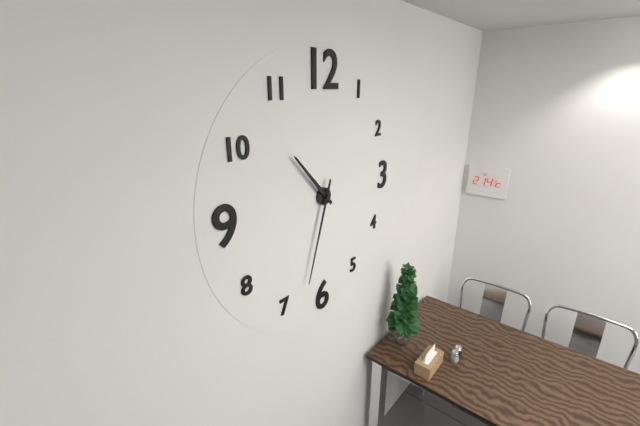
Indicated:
10.33
